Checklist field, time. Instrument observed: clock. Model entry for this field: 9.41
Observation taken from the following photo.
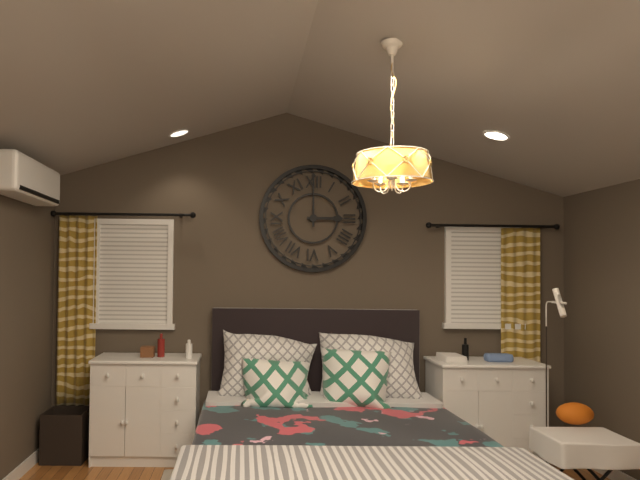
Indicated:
3.00
